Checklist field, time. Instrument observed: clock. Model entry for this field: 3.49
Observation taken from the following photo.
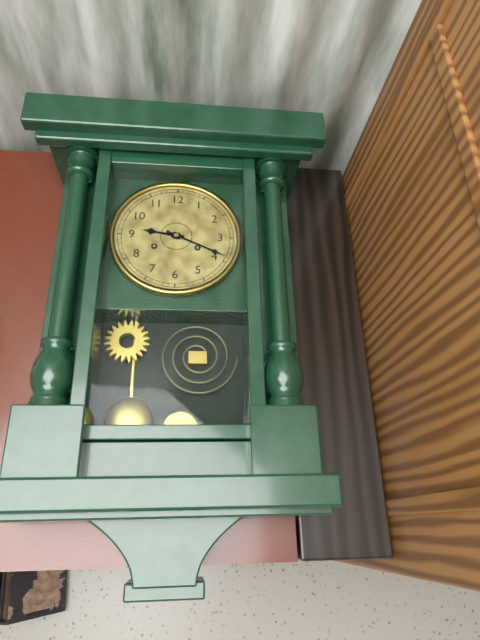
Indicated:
9.19
